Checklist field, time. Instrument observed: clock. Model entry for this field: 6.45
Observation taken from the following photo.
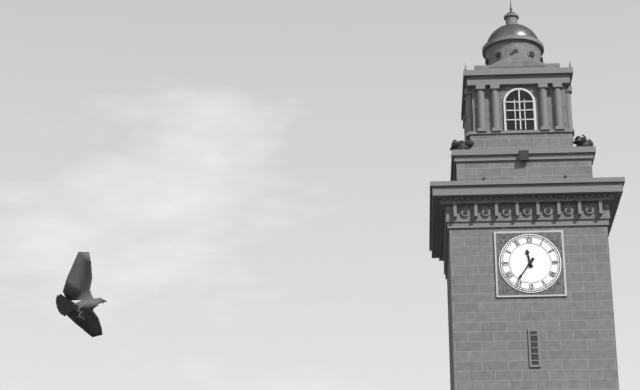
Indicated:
11.36
